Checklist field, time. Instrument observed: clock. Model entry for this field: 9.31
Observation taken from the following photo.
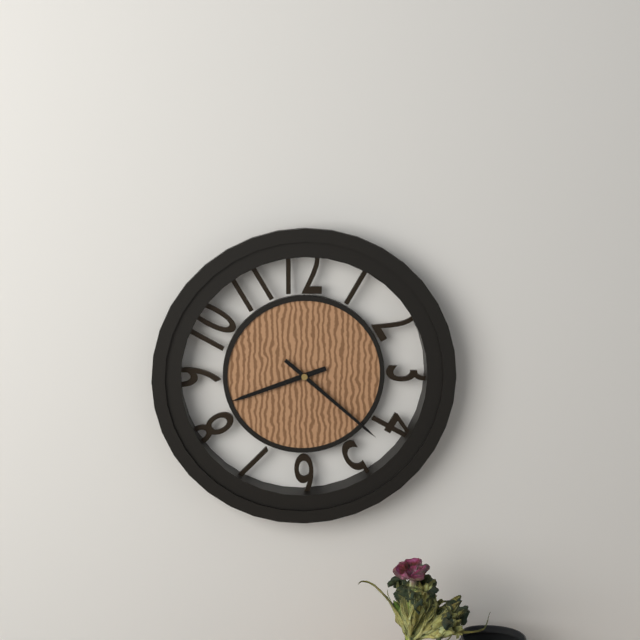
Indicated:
8.22
